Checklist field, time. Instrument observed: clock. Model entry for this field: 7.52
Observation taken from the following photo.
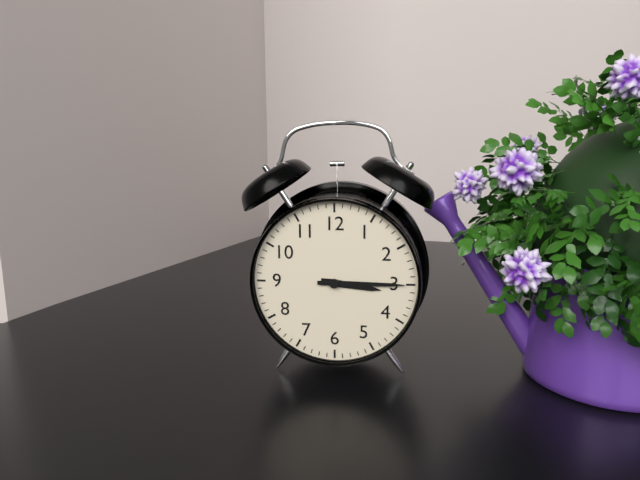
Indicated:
3.15
